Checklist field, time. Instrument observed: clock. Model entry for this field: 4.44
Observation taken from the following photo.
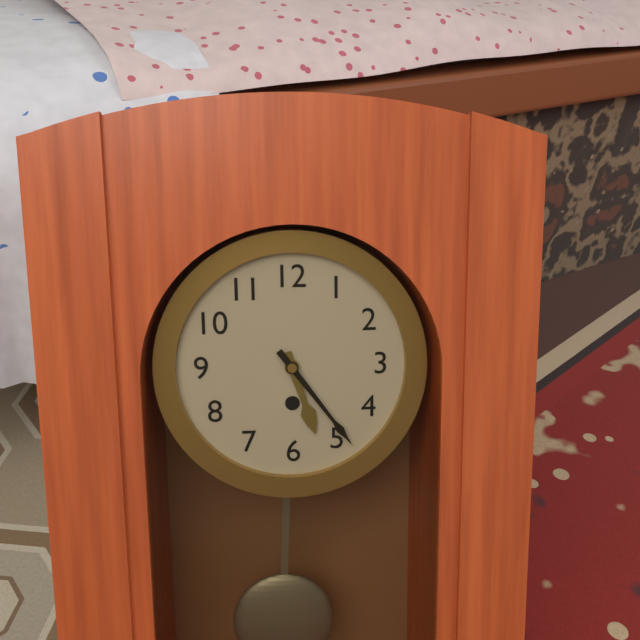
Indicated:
5.24
